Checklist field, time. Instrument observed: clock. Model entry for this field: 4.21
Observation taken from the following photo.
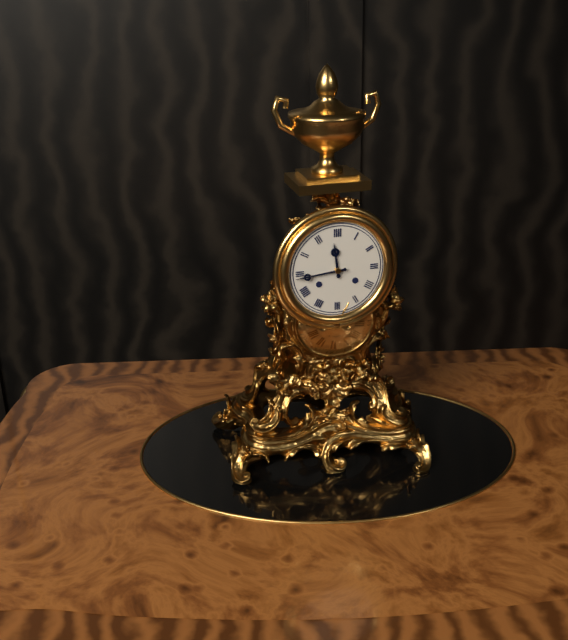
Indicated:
11.44
